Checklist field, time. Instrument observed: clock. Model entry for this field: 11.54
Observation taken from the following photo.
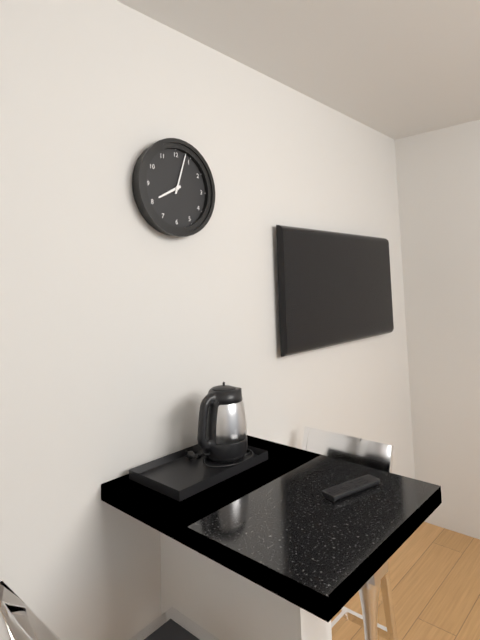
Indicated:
8.03
